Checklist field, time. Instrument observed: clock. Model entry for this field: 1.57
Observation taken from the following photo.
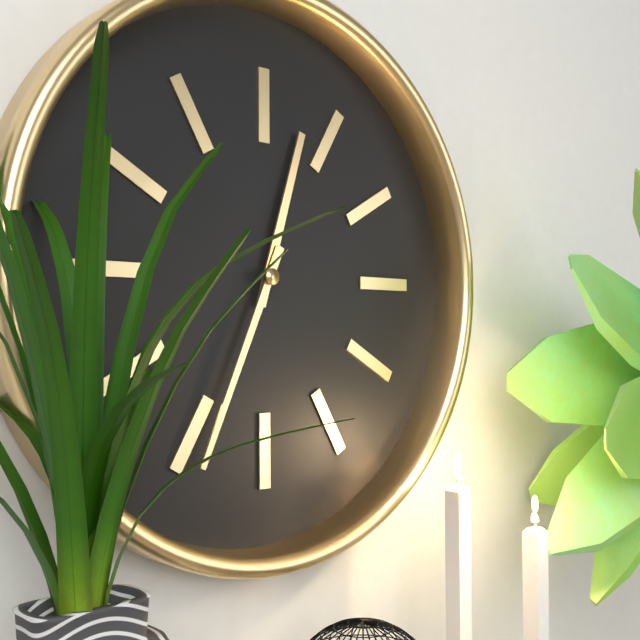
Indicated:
12.34
